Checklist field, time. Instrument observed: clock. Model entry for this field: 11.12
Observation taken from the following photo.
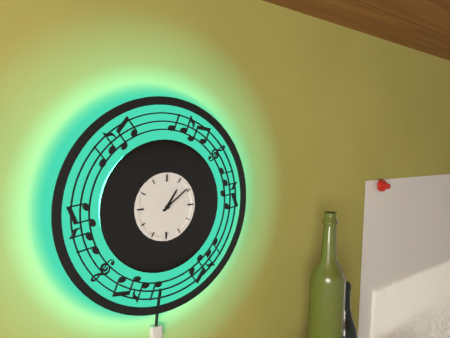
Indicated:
1.09
